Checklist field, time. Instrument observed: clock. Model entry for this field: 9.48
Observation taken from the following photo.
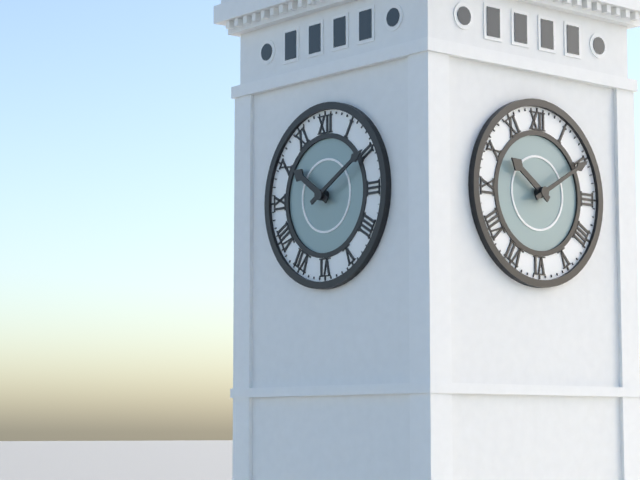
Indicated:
10.10
